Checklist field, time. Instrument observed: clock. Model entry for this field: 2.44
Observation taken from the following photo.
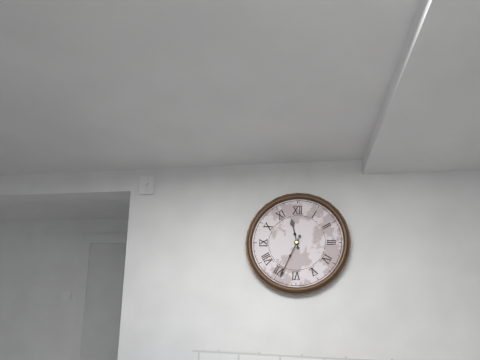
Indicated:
11.34
